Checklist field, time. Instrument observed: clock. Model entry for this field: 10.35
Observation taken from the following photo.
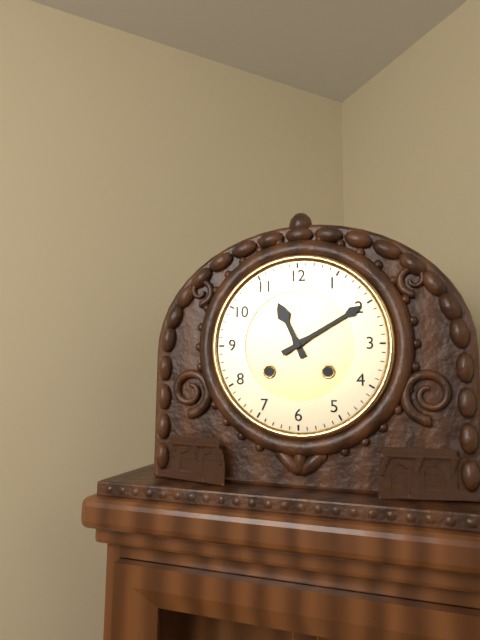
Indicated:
11.10
